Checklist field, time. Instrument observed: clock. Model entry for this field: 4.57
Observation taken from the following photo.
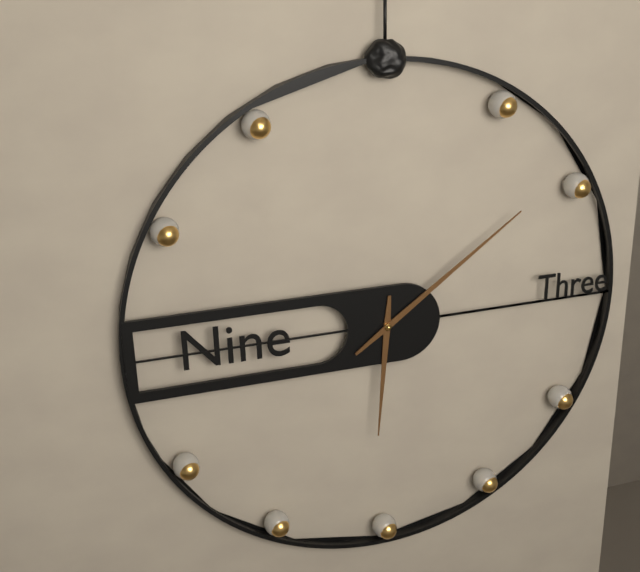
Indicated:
6.09
